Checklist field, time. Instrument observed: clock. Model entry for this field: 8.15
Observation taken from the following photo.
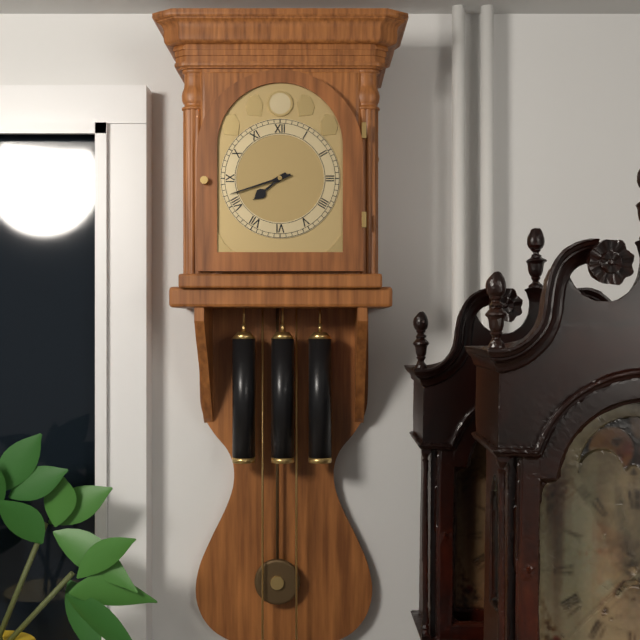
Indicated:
7.42
